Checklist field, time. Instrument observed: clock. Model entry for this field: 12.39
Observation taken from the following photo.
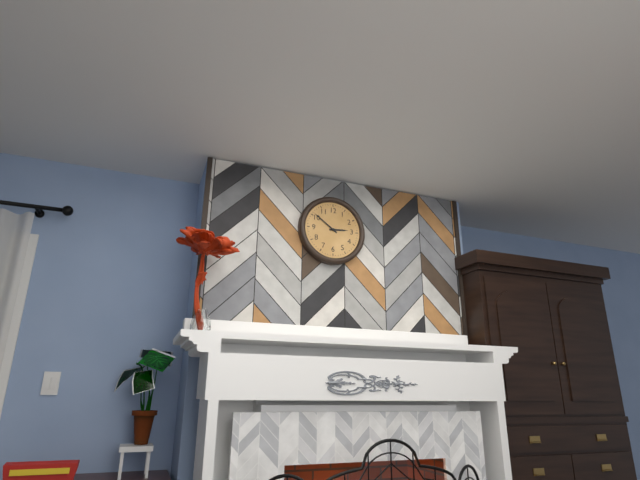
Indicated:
2.51
